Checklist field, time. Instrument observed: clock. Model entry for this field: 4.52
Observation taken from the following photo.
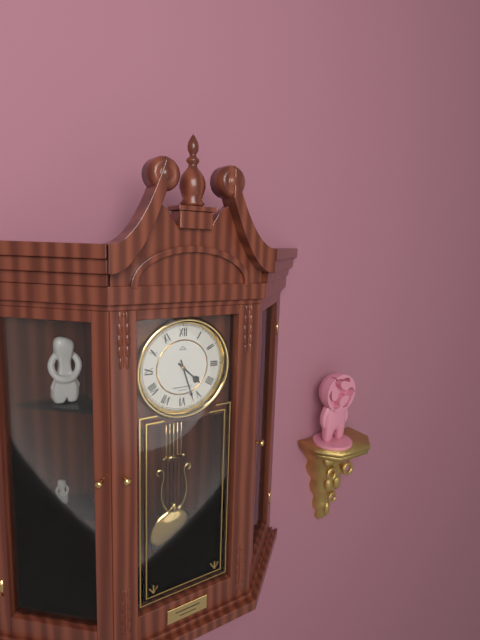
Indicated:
4.27
